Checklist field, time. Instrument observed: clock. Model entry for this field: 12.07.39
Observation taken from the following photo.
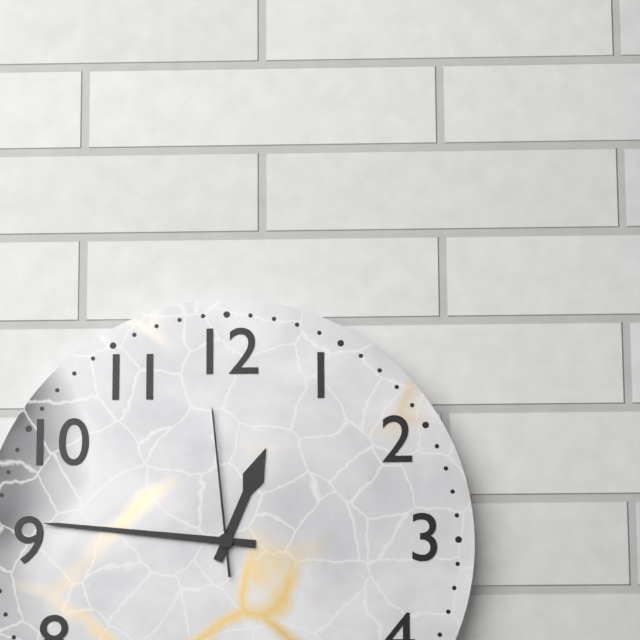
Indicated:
12.46.59
